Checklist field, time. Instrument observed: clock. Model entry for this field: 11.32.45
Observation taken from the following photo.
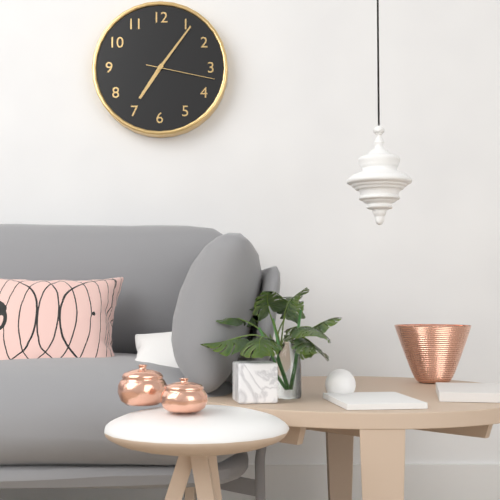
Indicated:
7.06.17
